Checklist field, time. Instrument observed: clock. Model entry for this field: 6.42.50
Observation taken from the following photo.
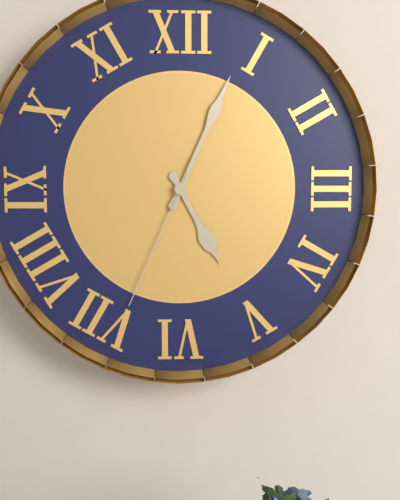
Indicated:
5.04.34
